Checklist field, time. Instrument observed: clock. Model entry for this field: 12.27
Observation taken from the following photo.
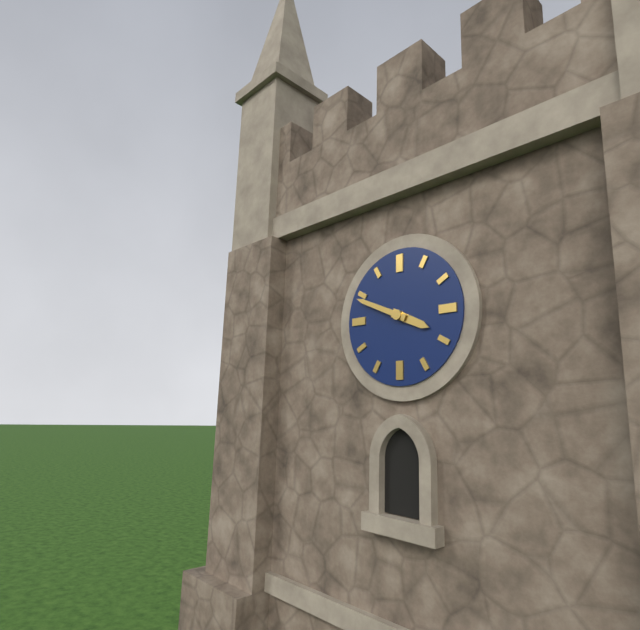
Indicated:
3.49
